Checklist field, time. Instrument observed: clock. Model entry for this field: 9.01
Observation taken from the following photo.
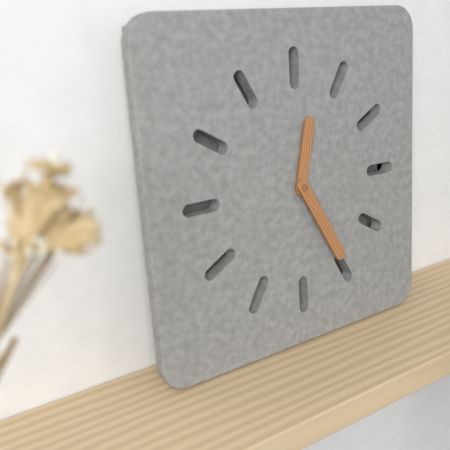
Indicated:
12.25
